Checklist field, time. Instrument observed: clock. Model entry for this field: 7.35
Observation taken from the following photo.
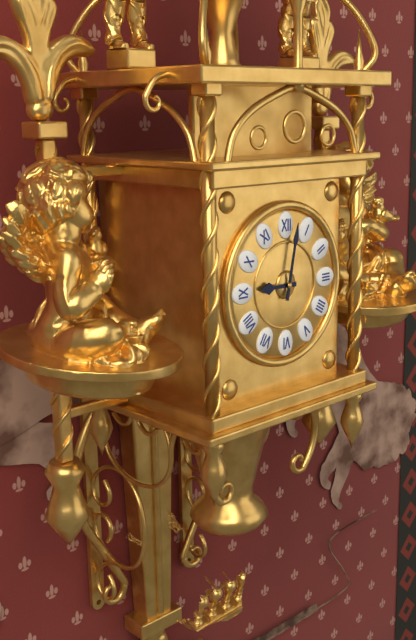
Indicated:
9.02
